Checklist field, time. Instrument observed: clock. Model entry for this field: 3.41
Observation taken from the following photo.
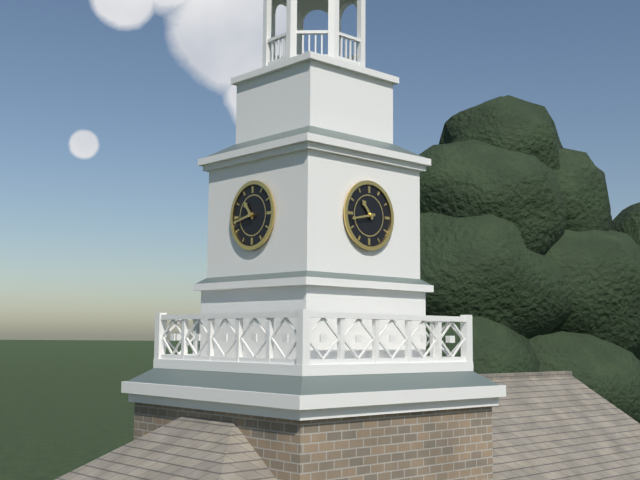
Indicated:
10.43
